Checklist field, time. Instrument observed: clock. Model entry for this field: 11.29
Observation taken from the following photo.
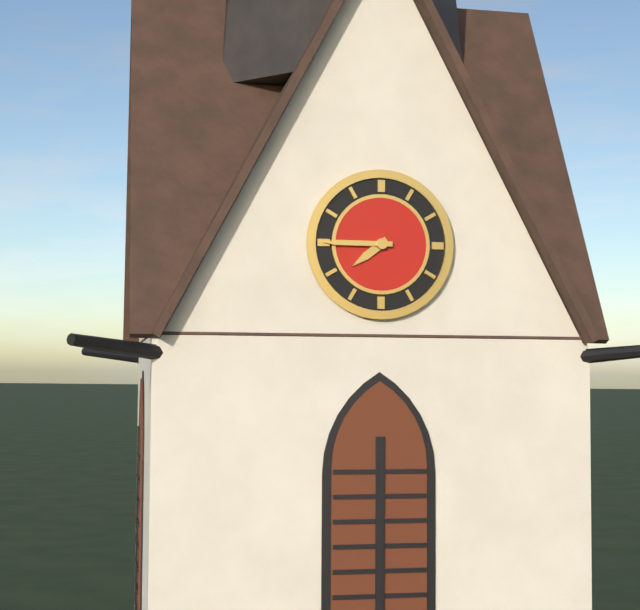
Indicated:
7.45
